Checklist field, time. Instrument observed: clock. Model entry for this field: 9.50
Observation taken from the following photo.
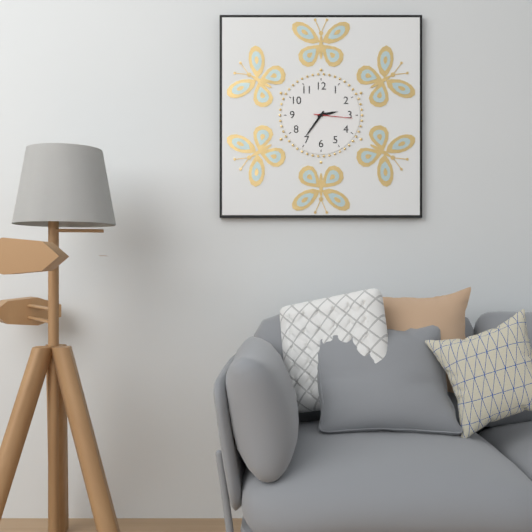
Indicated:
2.36
